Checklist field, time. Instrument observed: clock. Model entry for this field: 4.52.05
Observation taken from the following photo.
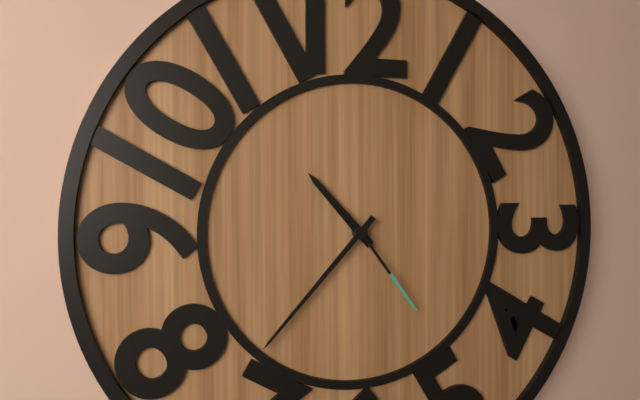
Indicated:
10.37.24
